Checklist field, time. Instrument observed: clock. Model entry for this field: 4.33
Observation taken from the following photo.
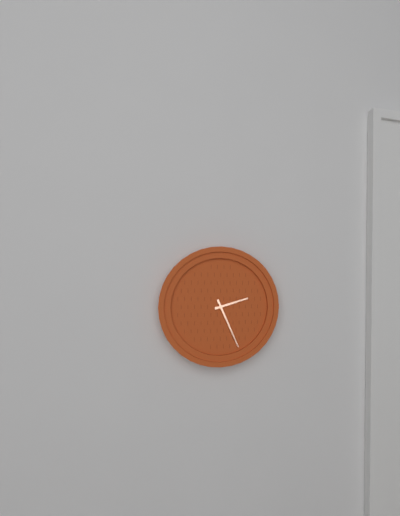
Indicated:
2.26
